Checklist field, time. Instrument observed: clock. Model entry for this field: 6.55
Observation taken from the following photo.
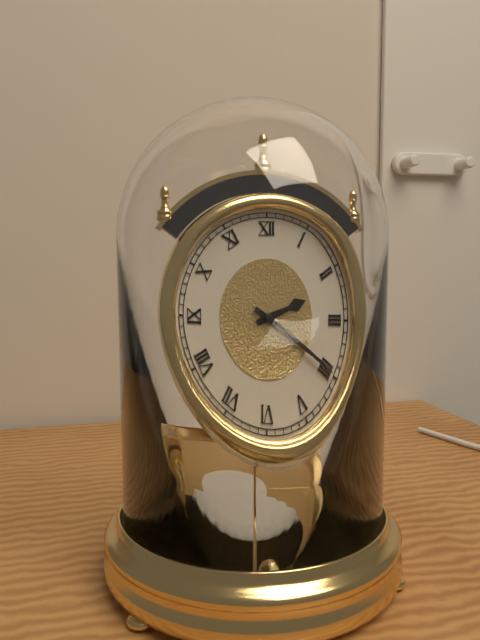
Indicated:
2.20
